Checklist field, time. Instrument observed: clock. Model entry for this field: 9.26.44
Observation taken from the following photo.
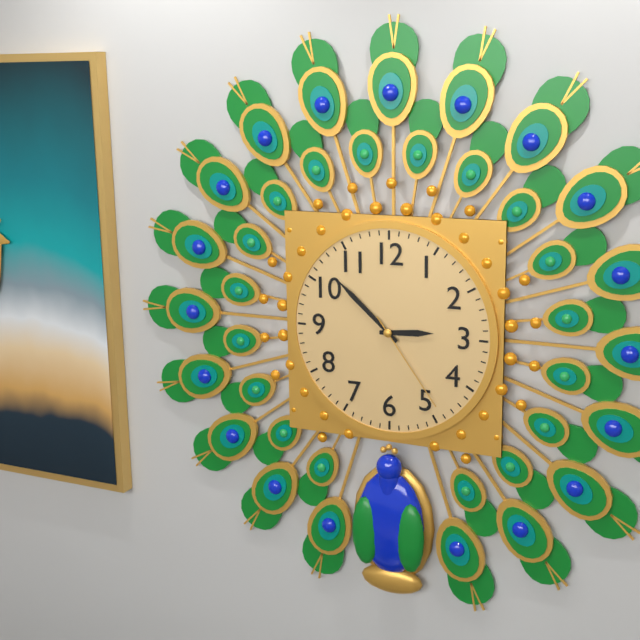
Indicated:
2.52.24
